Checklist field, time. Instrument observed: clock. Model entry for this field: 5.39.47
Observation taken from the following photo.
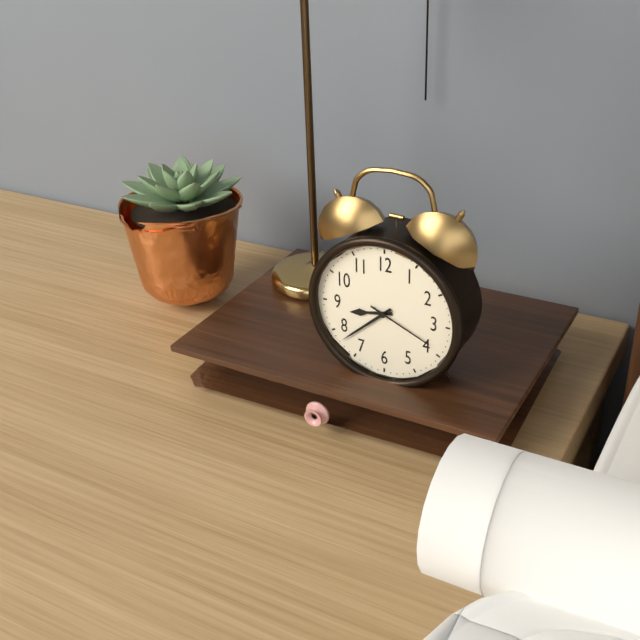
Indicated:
8.38.19
